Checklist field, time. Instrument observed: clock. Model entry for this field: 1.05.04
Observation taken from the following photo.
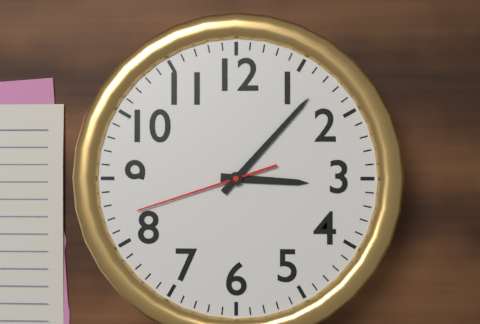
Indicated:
3.07.42
